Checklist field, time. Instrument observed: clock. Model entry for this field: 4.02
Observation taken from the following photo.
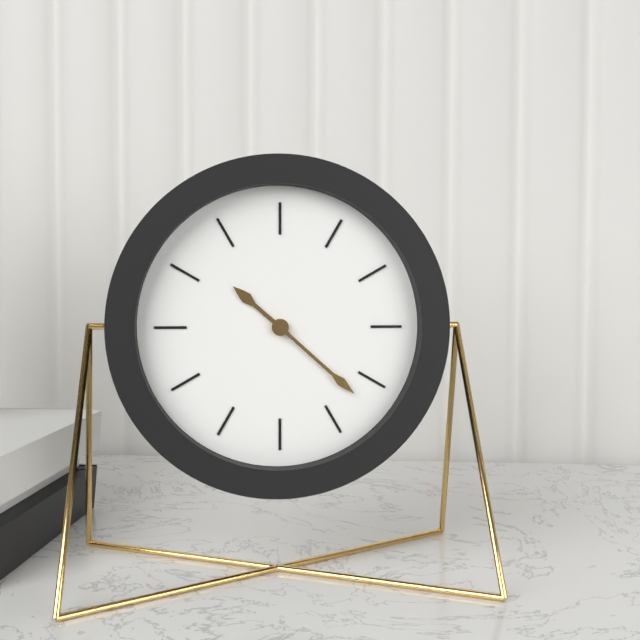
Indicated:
10.22
